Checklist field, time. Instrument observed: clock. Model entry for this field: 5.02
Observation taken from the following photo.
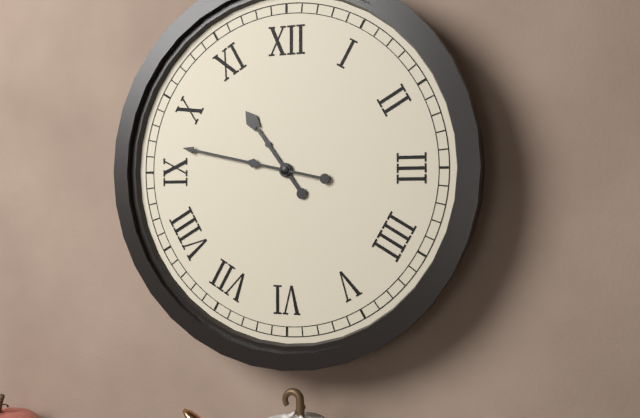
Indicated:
10.47
